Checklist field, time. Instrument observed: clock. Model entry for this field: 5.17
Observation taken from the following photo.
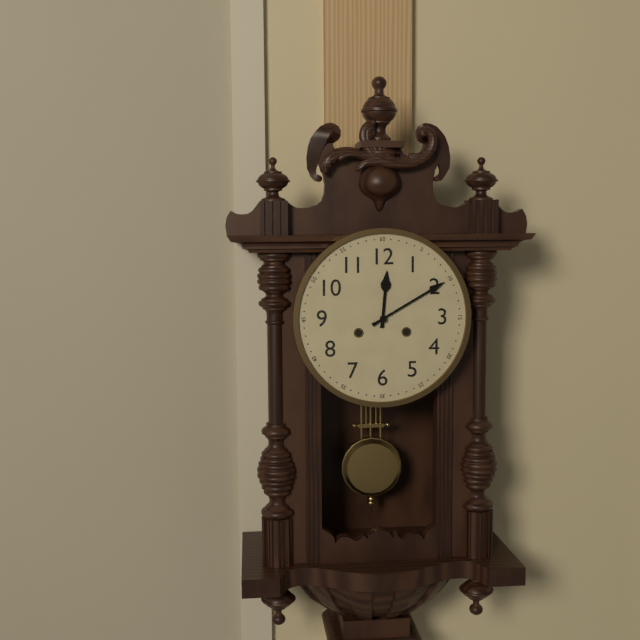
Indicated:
12.10
